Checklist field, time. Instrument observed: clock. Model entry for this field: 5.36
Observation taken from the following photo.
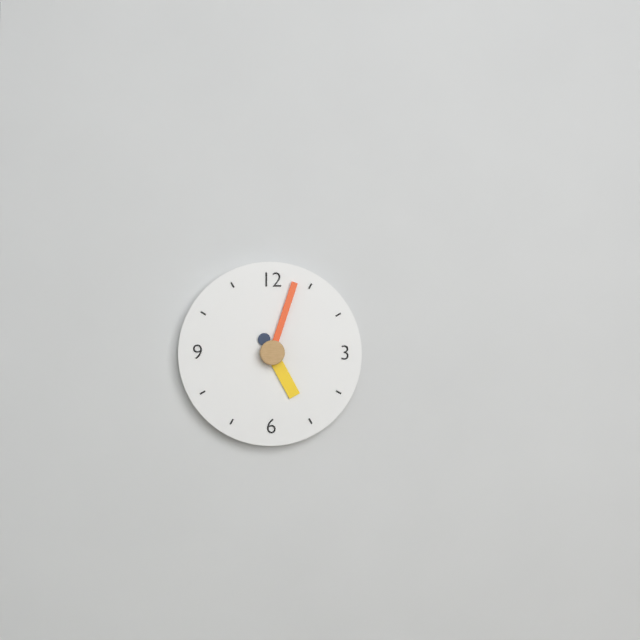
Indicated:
5.03
